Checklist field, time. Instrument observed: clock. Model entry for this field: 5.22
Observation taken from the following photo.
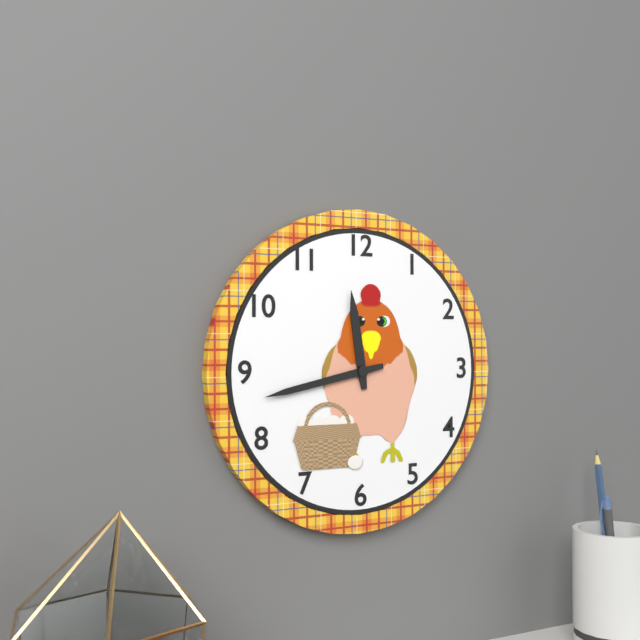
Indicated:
11.43
